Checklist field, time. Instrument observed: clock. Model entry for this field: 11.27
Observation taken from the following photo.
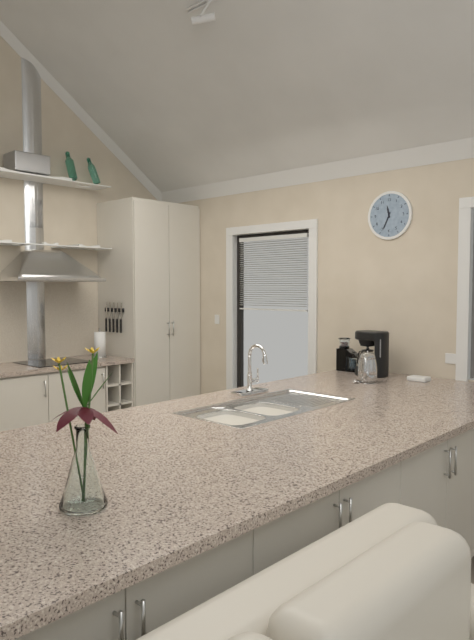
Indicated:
11.34
